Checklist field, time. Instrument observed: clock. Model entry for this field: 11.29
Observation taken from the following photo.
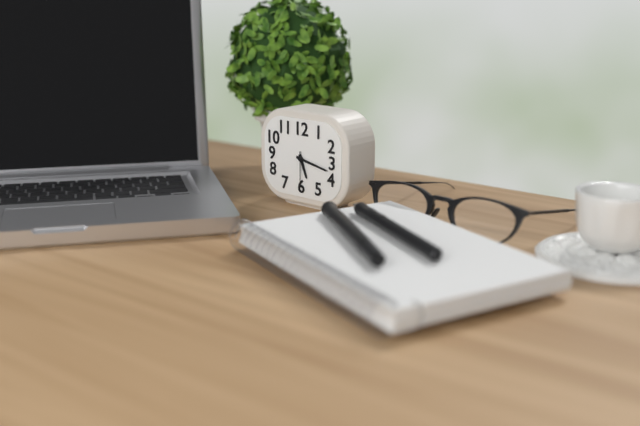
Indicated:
5.17
